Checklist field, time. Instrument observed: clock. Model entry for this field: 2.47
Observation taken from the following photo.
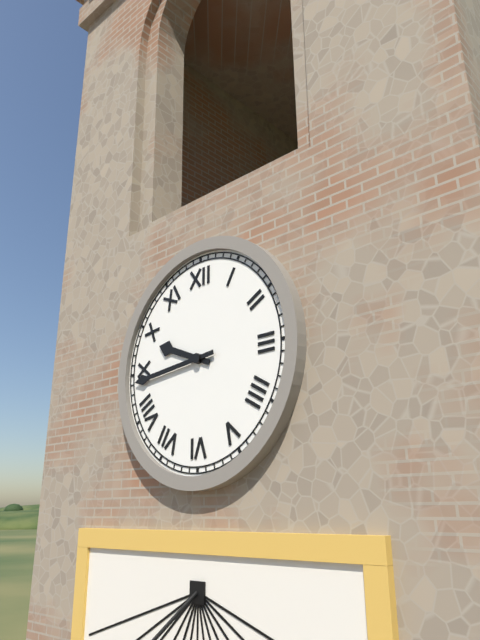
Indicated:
9.44
